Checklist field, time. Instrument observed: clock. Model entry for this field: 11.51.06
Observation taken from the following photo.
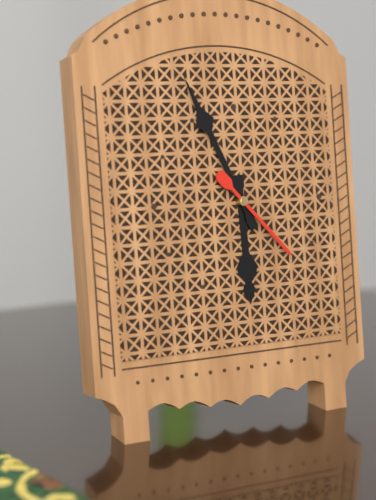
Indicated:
5.56.23
